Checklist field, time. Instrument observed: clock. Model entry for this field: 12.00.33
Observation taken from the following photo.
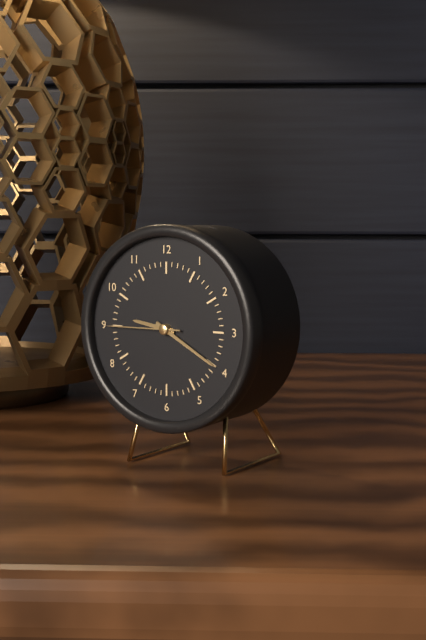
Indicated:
9.20.45
